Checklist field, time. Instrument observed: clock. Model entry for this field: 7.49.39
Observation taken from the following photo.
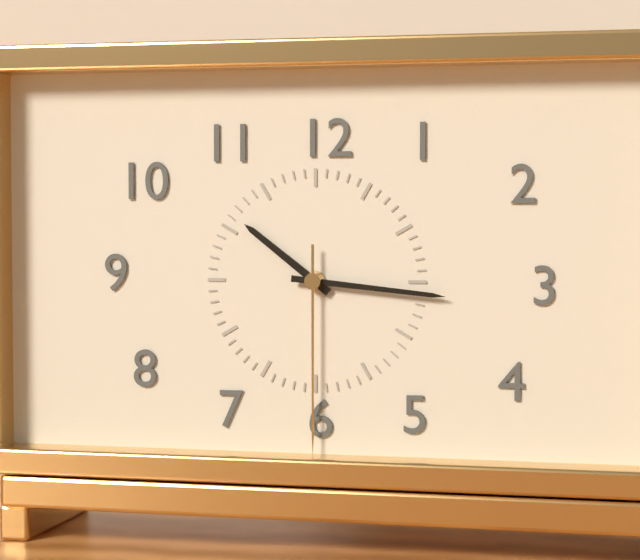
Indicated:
10.16.30
